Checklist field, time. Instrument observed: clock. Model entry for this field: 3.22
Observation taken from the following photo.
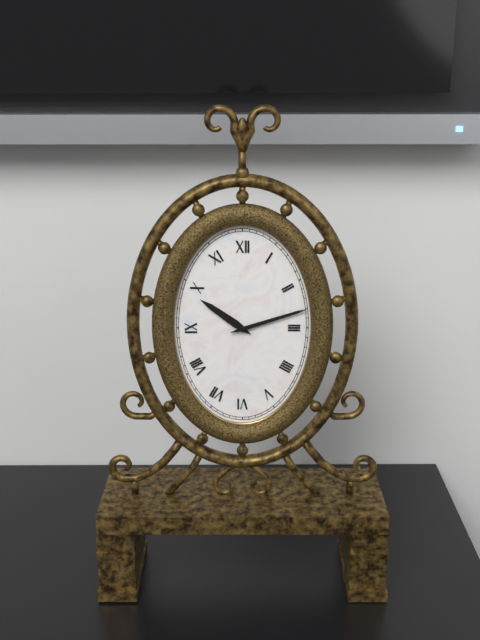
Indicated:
10.12
